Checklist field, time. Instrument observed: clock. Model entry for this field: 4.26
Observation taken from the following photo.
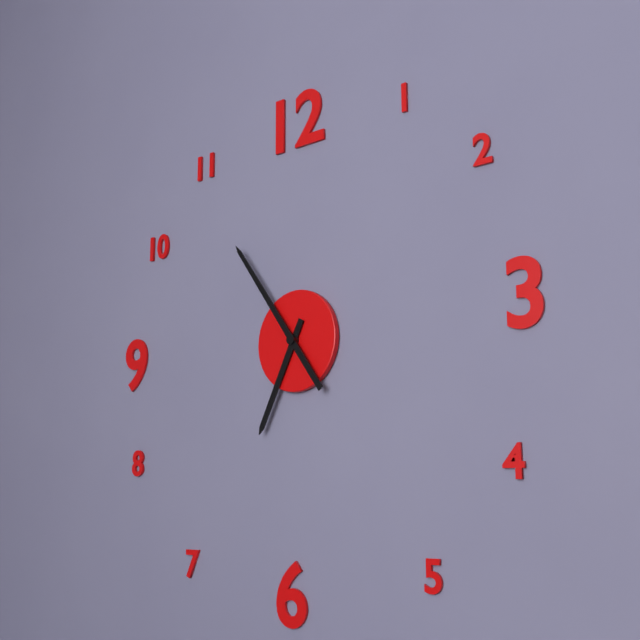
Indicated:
6.54
